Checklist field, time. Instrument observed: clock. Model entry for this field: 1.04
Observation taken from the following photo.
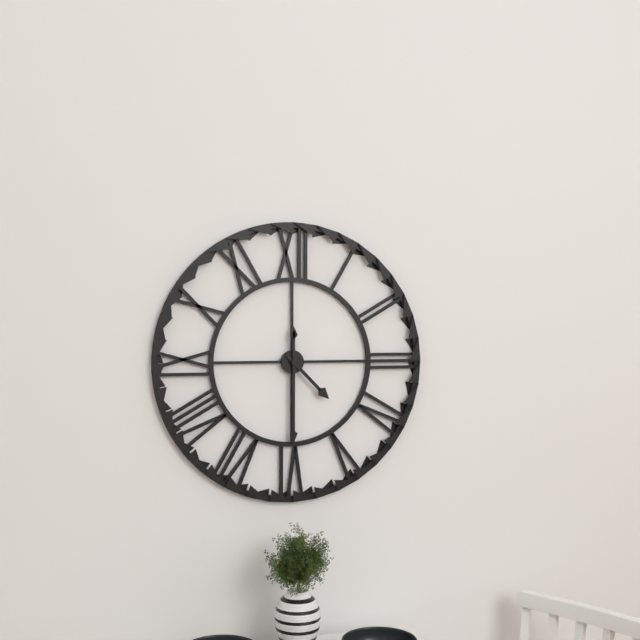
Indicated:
4.30
